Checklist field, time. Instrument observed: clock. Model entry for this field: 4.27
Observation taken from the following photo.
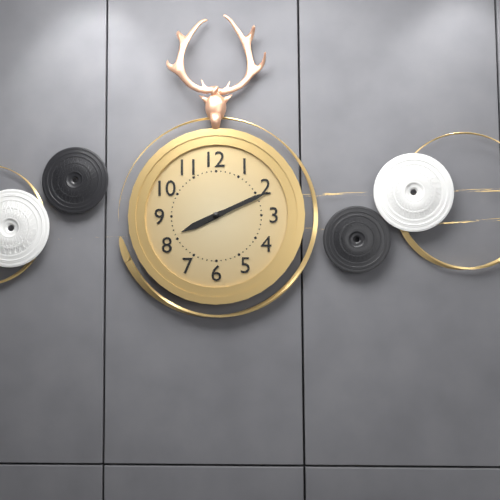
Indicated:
8.11
